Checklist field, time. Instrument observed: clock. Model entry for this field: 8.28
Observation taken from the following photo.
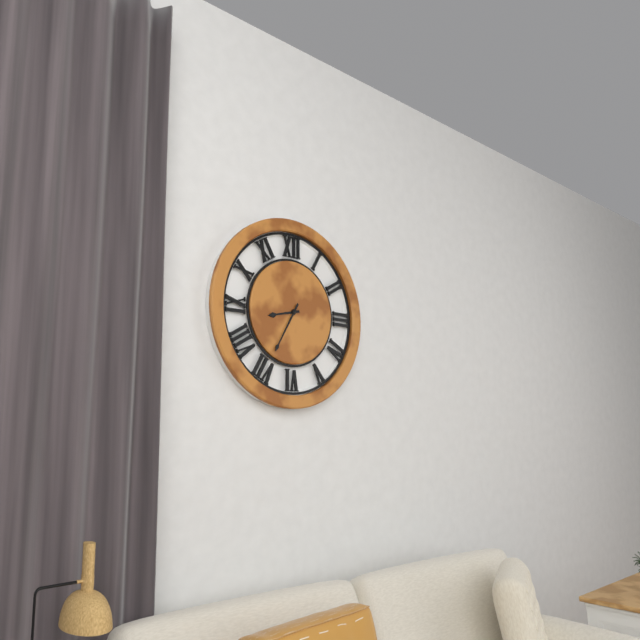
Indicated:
8.35
